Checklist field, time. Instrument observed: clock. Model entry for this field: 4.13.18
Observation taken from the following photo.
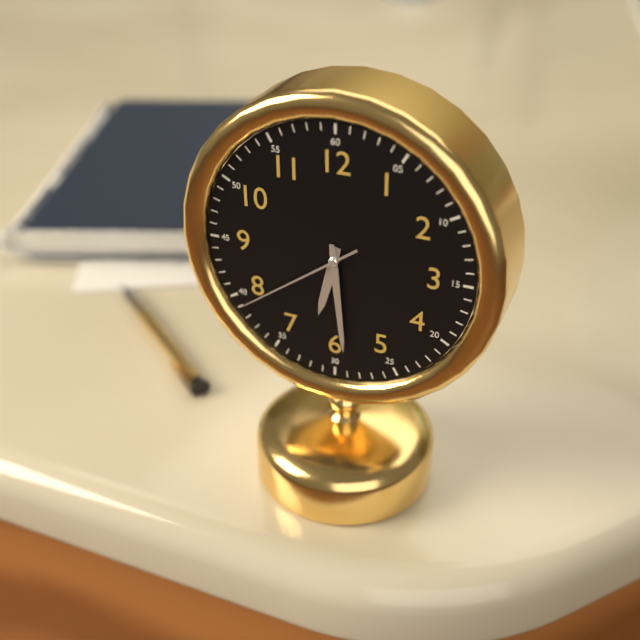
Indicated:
6.29.39
